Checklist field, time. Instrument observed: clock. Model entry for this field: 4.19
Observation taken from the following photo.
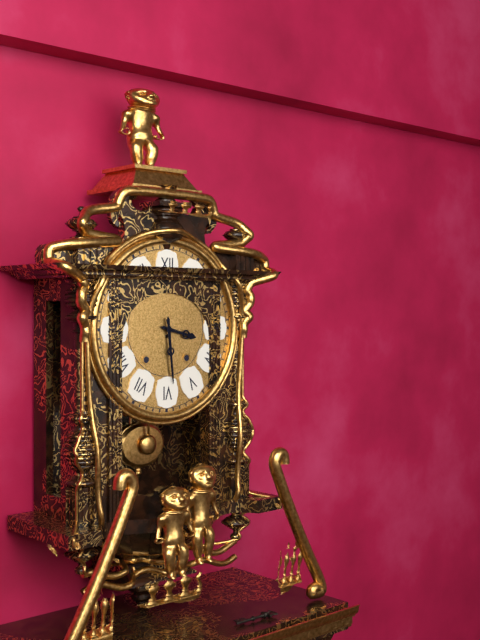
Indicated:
3.29
